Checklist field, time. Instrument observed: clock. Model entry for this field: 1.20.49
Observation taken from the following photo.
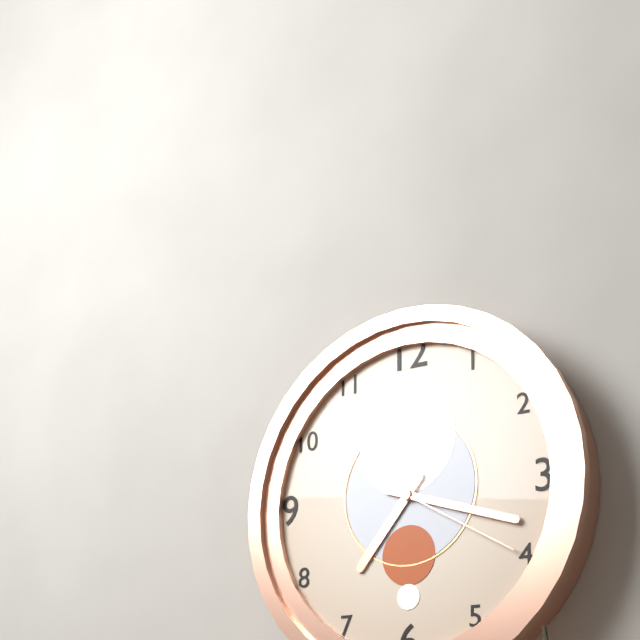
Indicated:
7.18.20
